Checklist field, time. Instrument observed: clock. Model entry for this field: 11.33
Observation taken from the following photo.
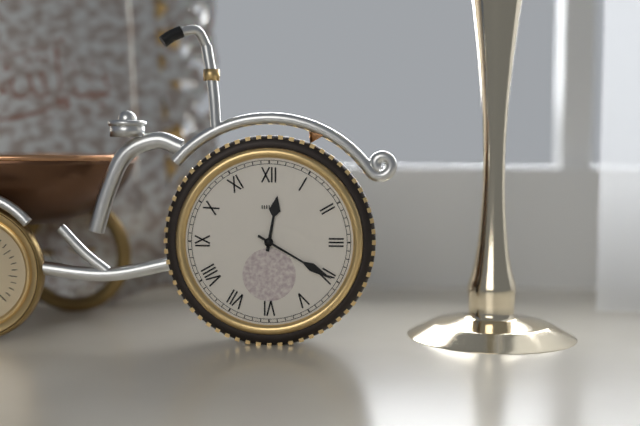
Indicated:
12.20
